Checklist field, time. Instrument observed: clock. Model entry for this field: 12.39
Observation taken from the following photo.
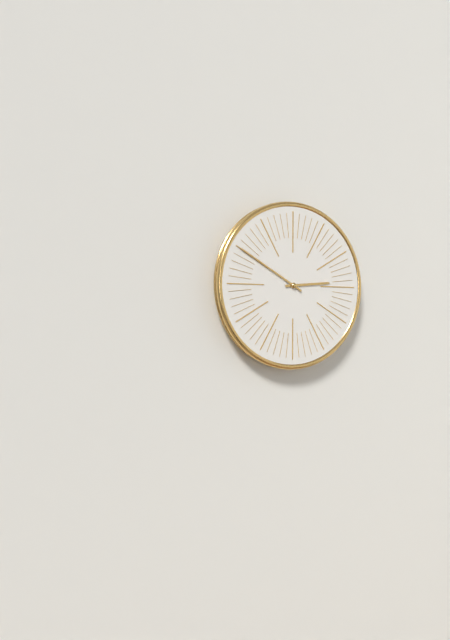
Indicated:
2.50
